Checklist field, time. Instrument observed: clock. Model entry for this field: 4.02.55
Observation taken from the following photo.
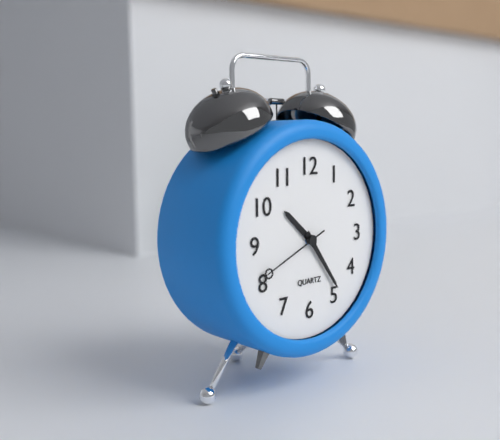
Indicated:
10.24.41
